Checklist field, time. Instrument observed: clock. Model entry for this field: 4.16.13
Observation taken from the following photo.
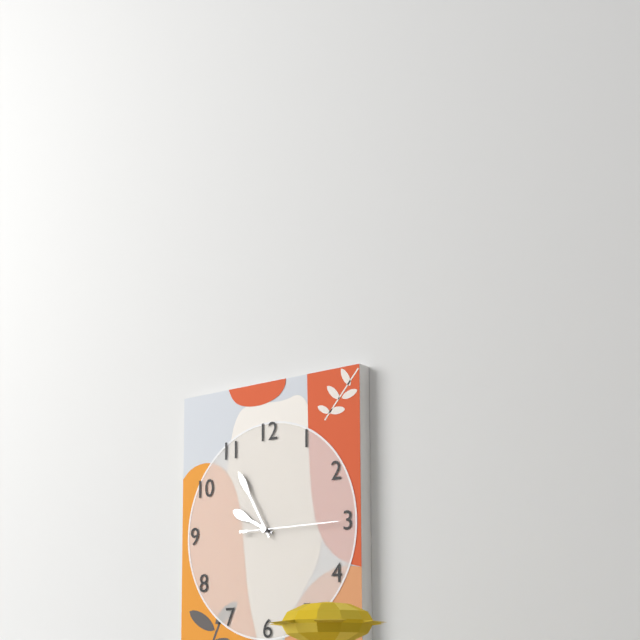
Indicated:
9.55.15
